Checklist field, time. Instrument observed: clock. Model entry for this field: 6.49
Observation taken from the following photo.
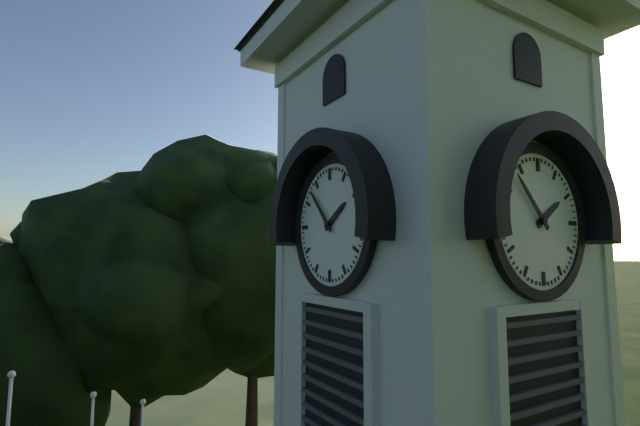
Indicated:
1.53
